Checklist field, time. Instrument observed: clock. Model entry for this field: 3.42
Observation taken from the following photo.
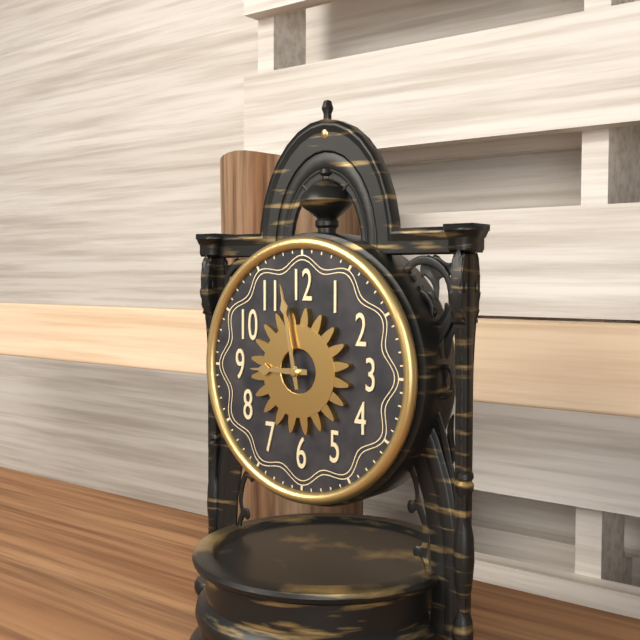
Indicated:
8.58
